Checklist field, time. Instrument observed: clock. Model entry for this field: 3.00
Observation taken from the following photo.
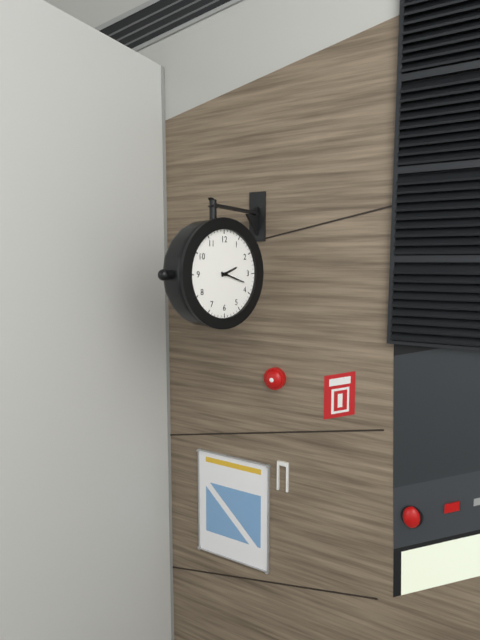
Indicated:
2.18
